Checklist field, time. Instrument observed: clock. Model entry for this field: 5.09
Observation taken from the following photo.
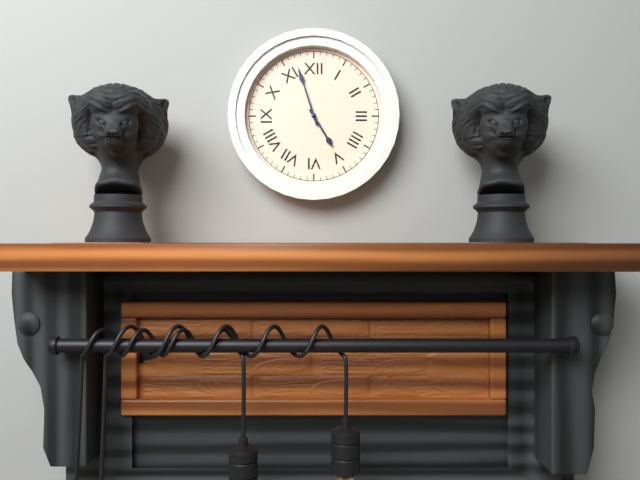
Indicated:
4.57
